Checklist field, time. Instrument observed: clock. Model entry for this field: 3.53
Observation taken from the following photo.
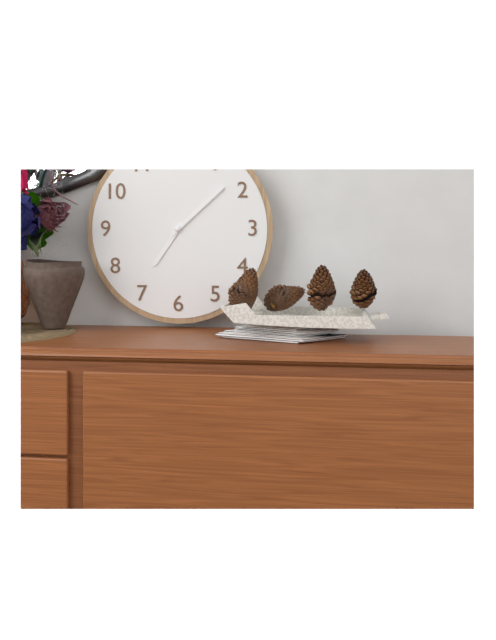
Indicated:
7.08
